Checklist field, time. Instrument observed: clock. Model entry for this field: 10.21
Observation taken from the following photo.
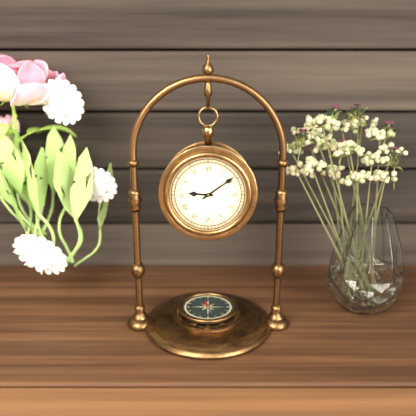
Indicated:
9.09
